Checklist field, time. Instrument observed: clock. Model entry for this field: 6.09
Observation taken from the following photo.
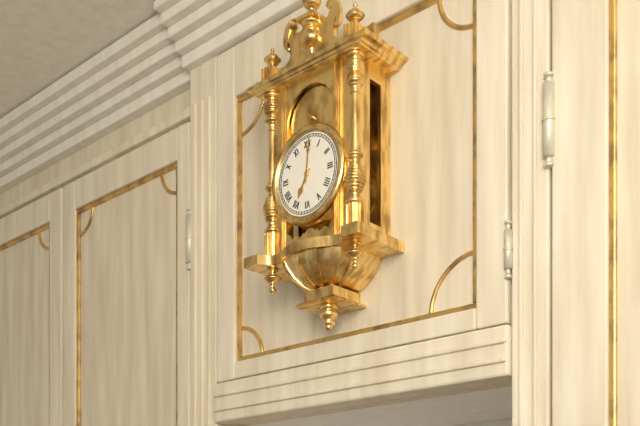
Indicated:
7.01
